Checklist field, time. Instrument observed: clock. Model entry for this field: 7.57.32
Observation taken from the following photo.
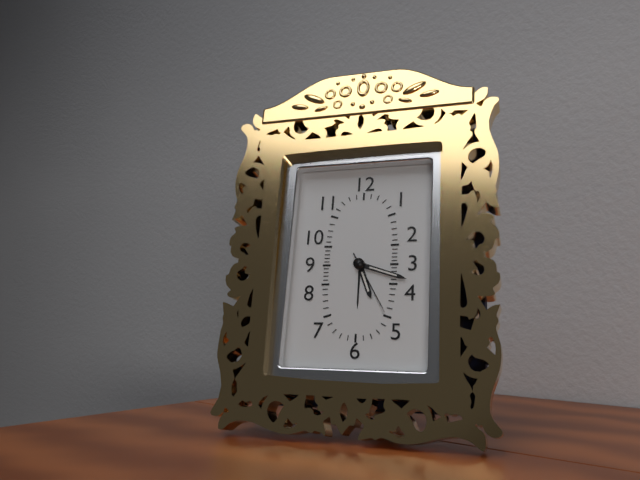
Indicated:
5.18.25
